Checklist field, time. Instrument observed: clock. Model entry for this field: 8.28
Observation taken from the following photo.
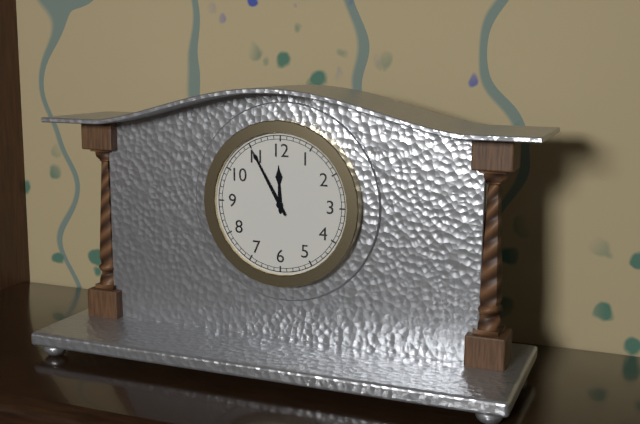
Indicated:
11.55
